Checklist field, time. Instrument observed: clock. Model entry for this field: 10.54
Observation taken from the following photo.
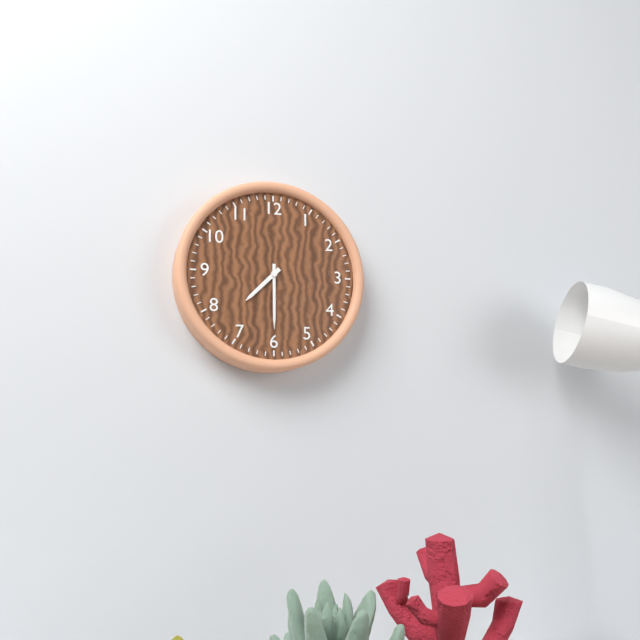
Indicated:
7.30
